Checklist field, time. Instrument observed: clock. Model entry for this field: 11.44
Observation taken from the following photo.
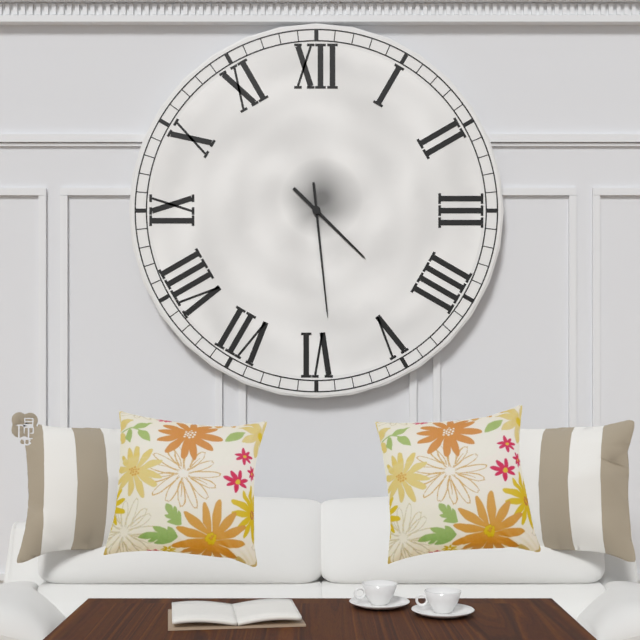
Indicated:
4.29
